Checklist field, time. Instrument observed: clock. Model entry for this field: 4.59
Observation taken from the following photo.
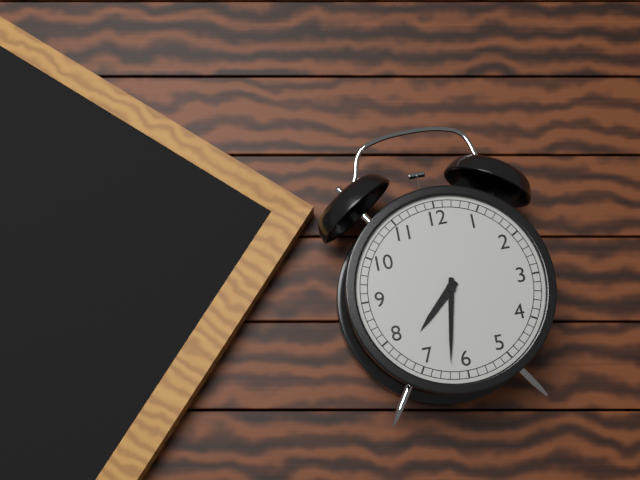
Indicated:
7.32
